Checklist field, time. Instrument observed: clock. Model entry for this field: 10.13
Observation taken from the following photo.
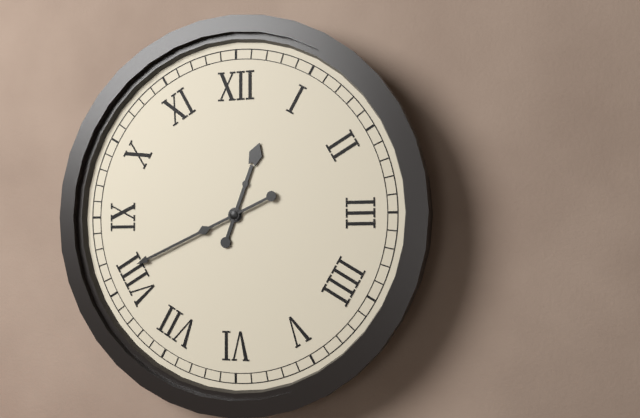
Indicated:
12.41
